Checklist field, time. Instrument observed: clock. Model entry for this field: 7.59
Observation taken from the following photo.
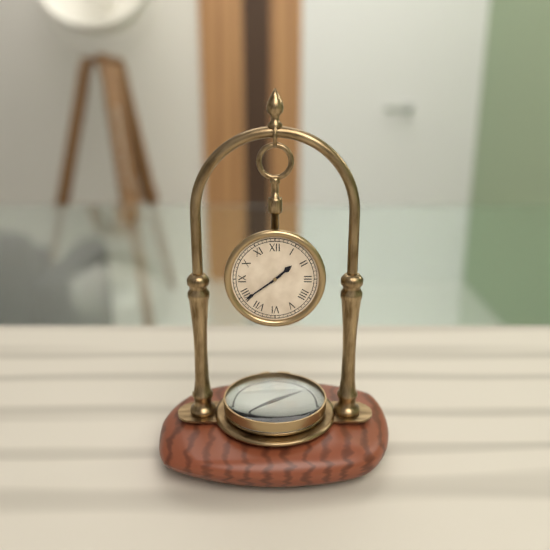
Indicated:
1.39
